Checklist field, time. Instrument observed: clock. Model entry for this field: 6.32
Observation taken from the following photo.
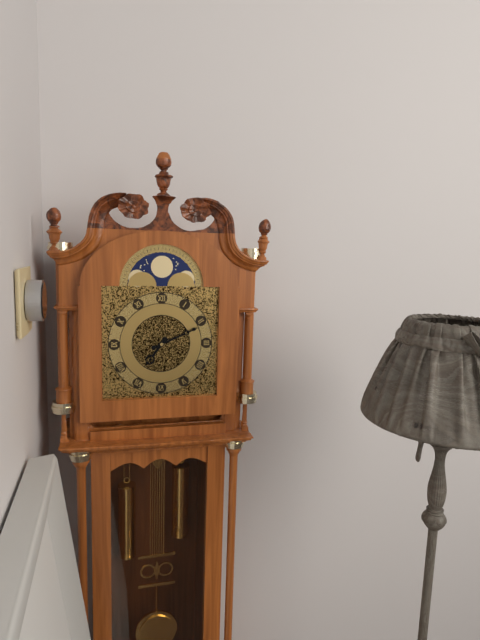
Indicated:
7.11
